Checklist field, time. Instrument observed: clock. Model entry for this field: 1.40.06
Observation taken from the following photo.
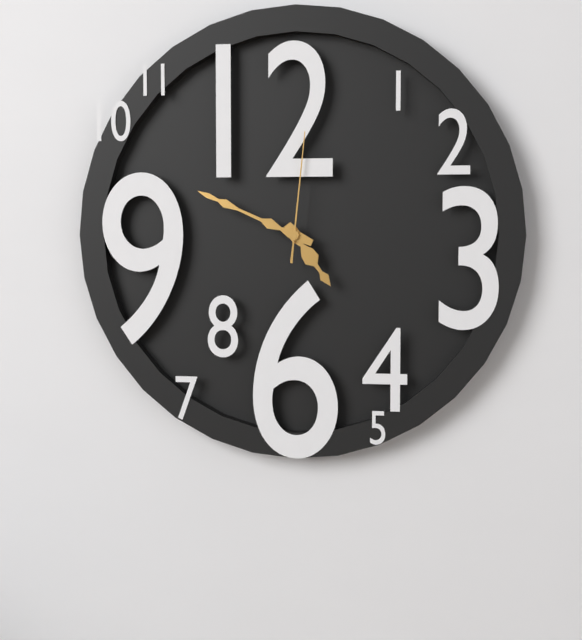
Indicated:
4.49.01
